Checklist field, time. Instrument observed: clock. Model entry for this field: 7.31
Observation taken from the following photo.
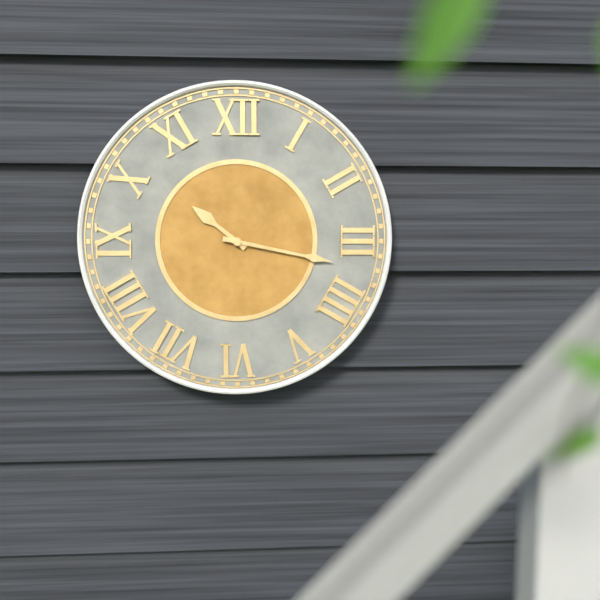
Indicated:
10.17
